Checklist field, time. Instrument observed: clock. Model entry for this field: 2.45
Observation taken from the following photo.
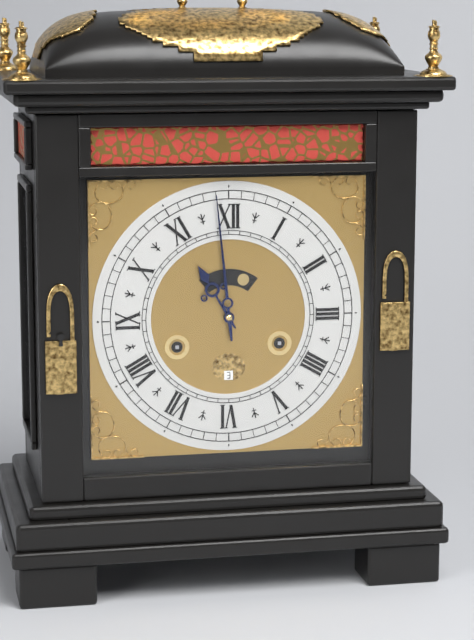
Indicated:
10.59
